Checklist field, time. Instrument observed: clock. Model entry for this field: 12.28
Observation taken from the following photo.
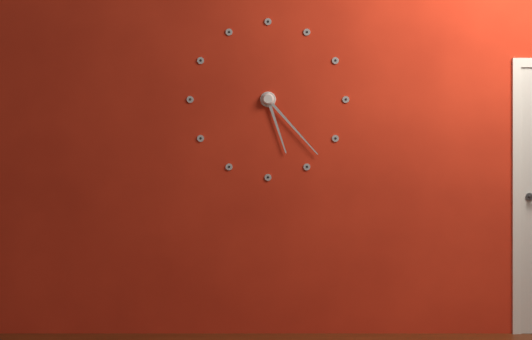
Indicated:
5.23
